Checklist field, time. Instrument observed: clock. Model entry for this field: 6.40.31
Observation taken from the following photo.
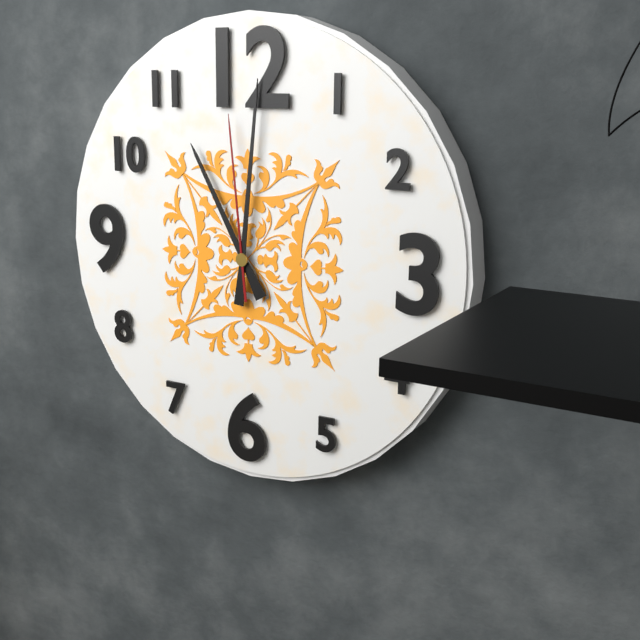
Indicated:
11.01.59
